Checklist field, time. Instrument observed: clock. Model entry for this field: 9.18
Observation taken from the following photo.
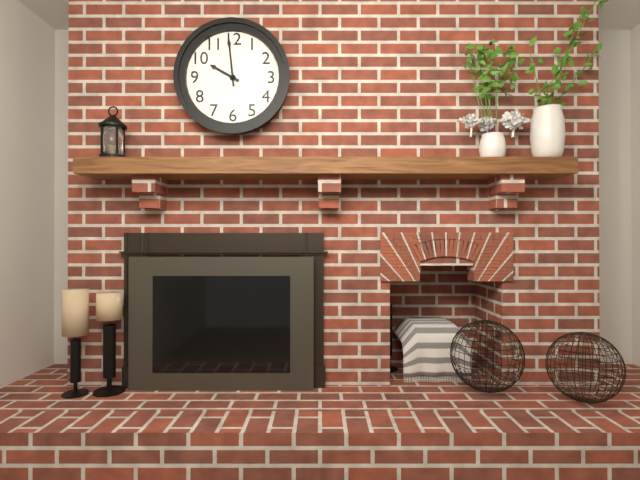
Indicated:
9.59
